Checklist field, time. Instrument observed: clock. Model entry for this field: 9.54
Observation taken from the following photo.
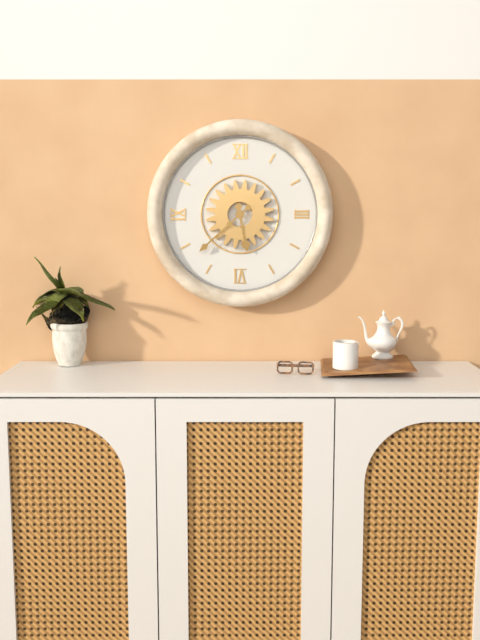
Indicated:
5.38
